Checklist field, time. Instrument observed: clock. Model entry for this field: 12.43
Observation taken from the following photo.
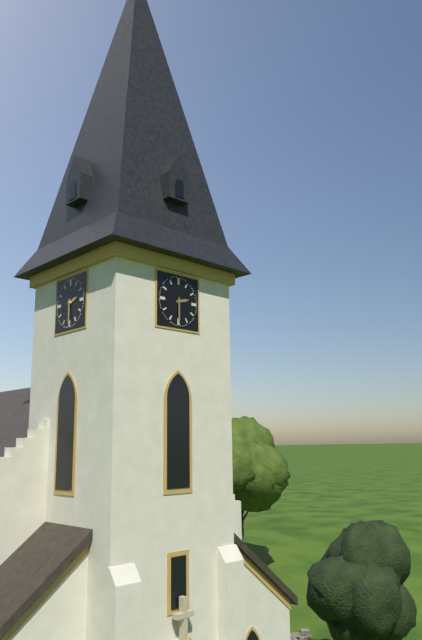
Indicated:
2.30
